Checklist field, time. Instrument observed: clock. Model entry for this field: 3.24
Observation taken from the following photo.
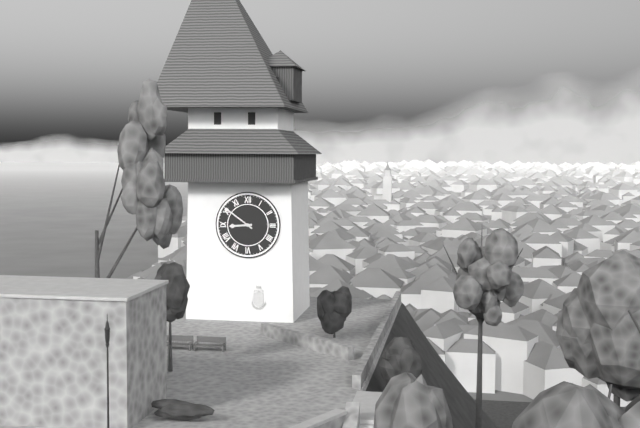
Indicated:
8.51
